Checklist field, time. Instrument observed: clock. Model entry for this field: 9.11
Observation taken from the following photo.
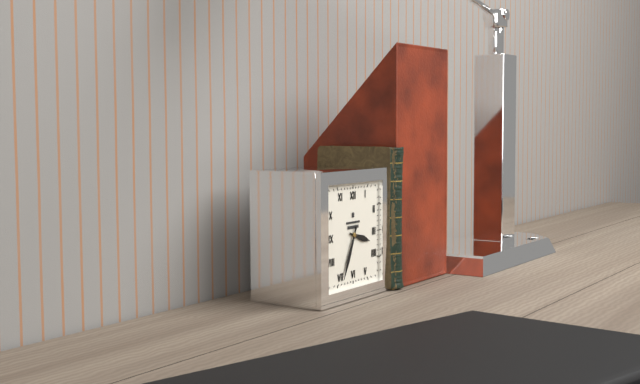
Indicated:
3.34
